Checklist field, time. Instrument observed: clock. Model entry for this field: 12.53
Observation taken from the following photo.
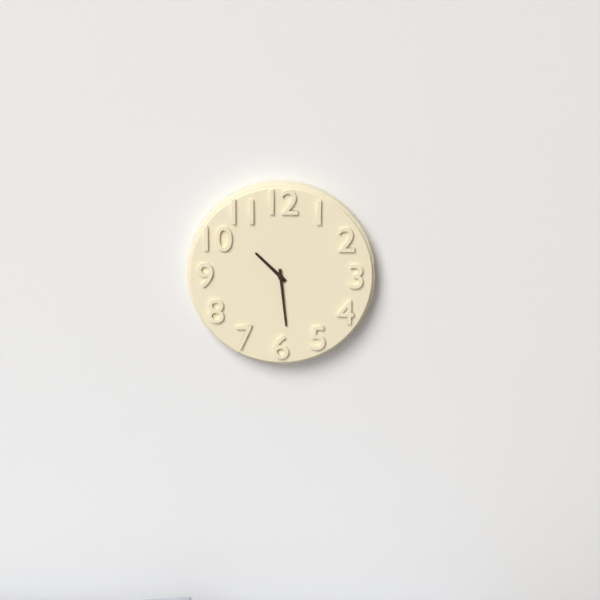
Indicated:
10.29
